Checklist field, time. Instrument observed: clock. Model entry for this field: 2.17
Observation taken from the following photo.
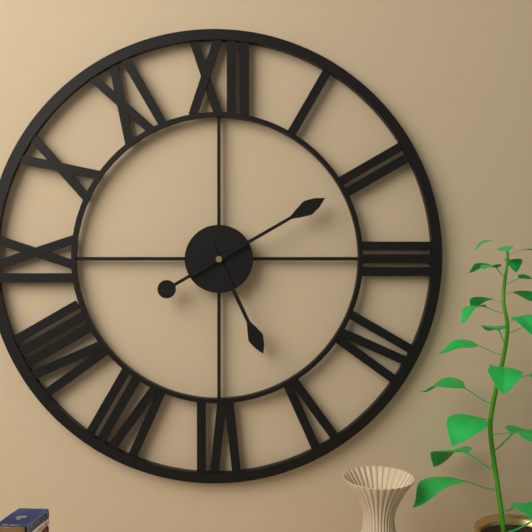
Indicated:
5.10
